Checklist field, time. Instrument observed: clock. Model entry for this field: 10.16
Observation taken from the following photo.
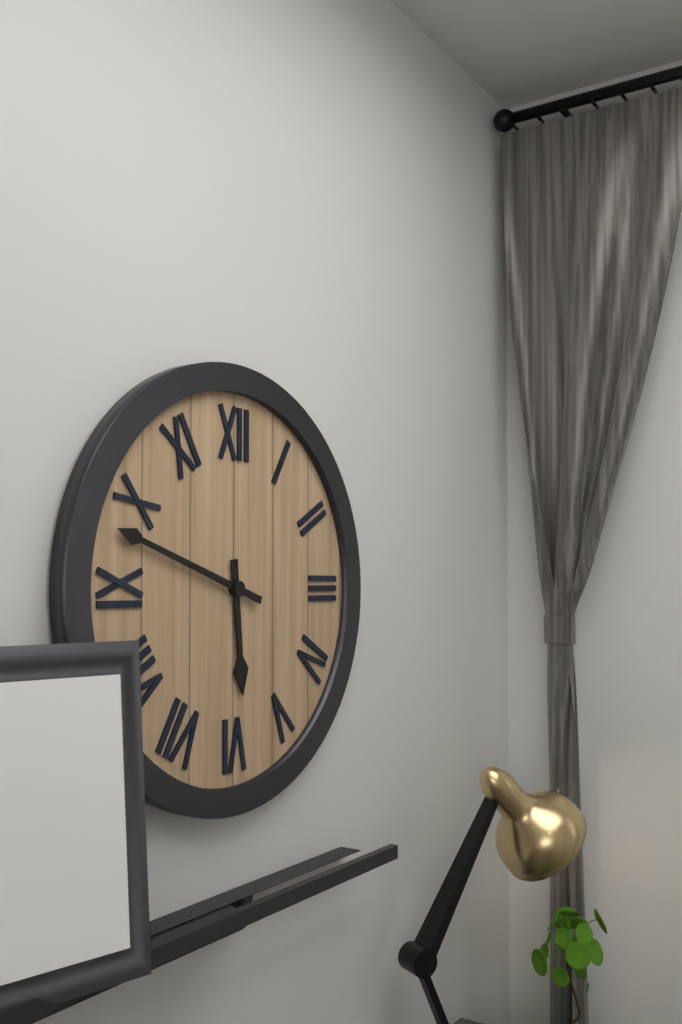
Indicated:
5.48
